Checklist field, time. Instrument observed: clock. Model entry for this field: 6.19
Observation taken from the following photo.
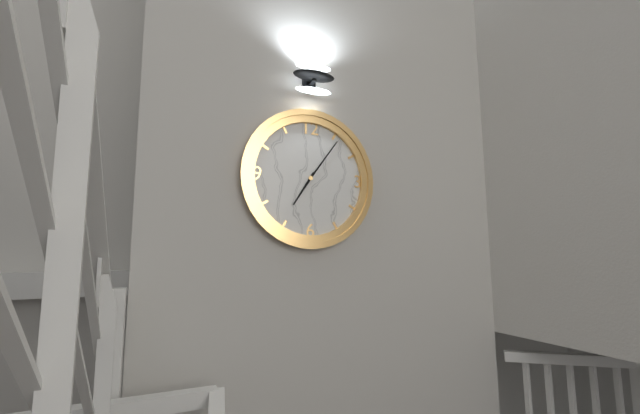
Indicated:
7.06
